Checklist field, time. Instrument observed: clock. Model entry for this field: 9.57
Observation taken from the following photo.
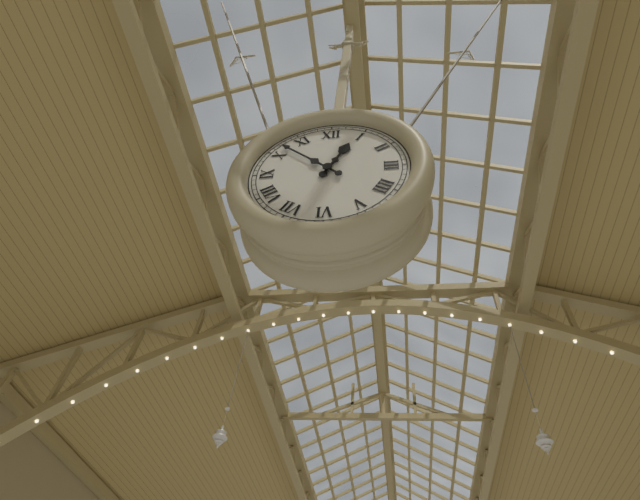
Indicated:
12.52
